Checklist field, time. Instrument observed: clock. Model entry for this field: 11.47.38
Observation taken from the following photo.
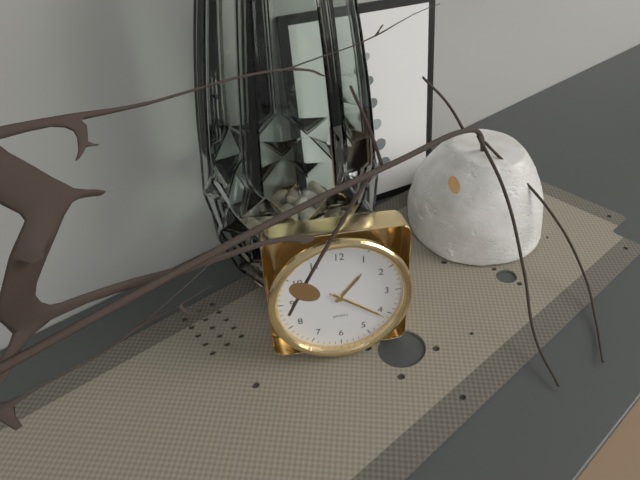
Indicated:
1.21.21
